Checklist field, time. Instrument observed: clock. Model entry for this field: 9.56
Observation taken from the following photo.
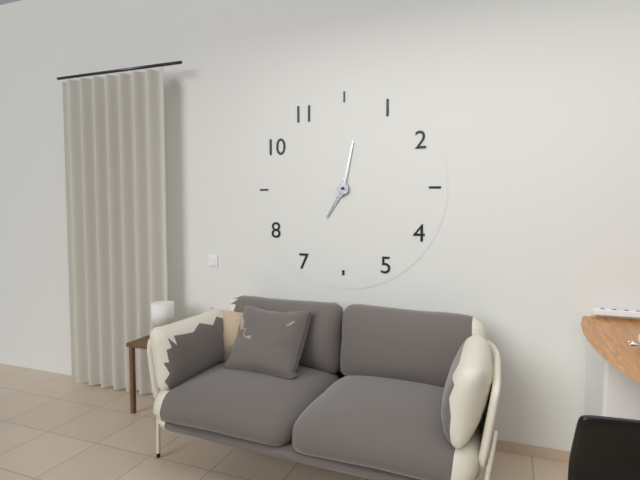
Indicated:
7.02
